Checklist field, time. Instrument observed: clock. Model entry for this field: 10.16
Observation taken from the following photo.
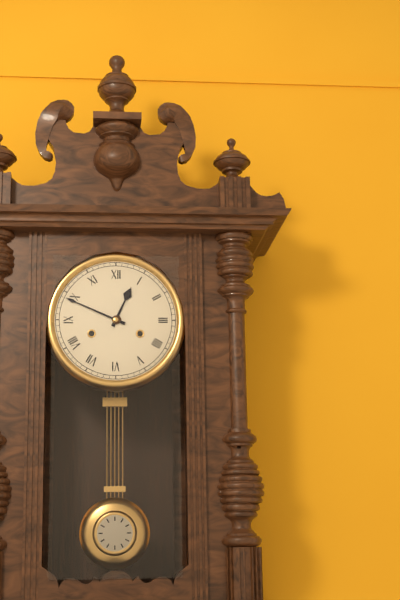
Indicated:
12.49
